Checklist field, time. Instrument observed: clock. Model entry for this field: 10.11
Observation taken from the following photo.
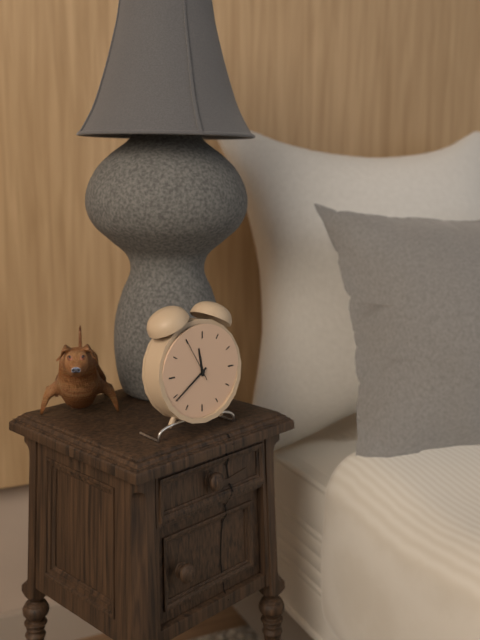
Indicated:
11.39
